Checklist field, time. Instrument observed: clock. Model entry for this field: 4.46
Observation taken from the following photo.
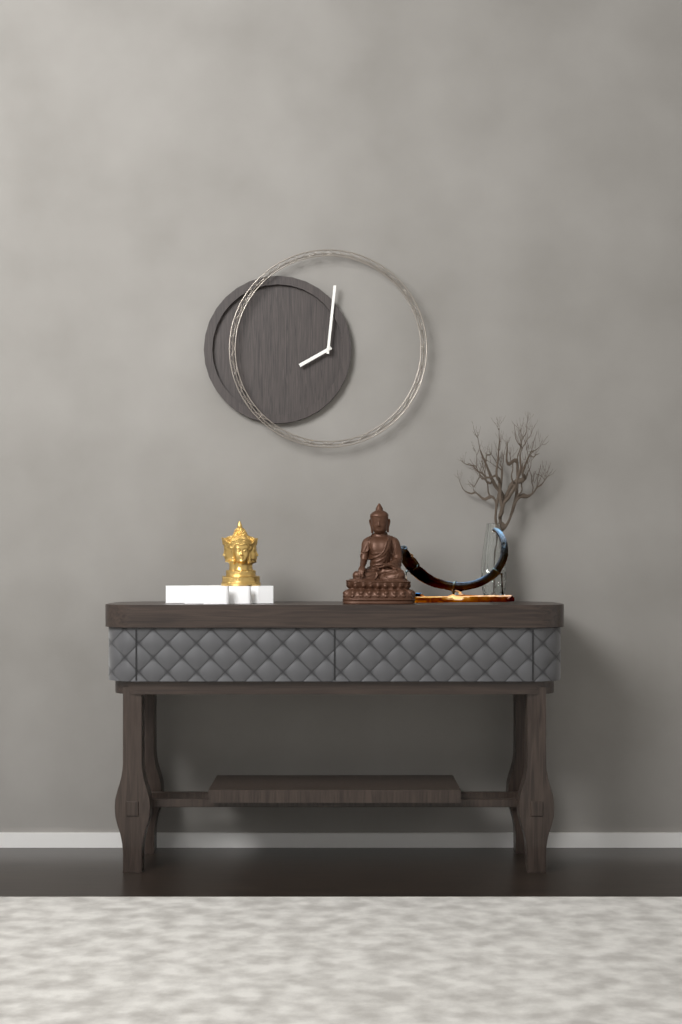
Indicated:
8.01
